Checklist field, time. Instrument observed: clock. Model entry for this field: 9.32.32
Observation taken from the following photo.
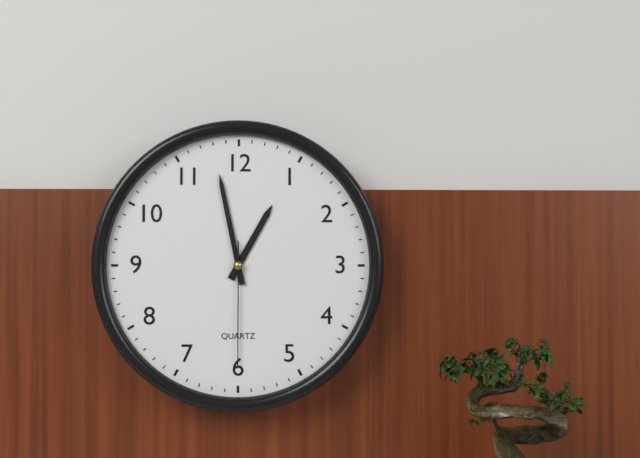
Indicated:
12.58.30
